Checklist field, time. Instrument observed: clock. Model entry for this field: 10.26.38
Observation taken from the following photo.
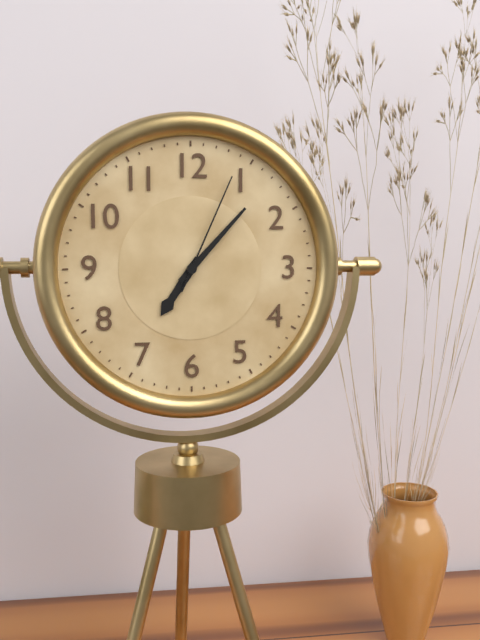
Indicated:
7.07.04
